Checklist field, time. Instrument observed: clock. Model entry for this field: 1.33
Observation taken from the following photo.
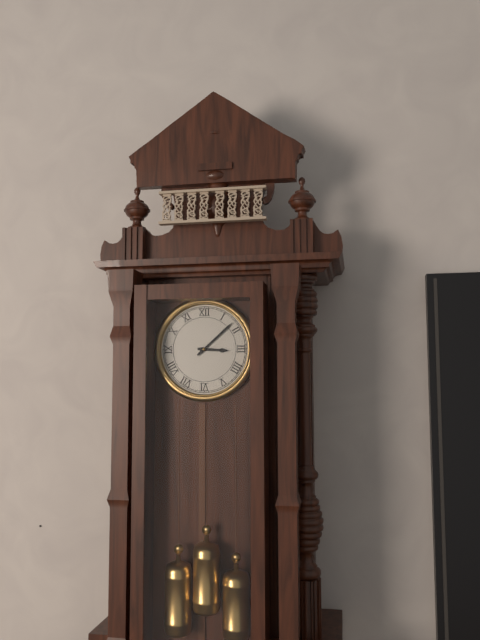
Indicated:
3.08
